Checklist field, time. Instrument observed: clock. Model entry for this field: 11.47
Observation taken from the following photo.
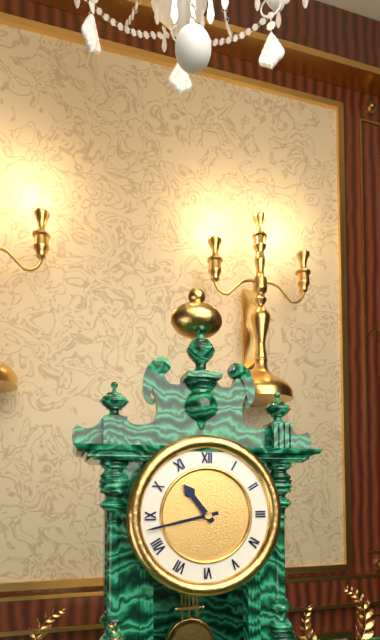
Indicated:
10.43
